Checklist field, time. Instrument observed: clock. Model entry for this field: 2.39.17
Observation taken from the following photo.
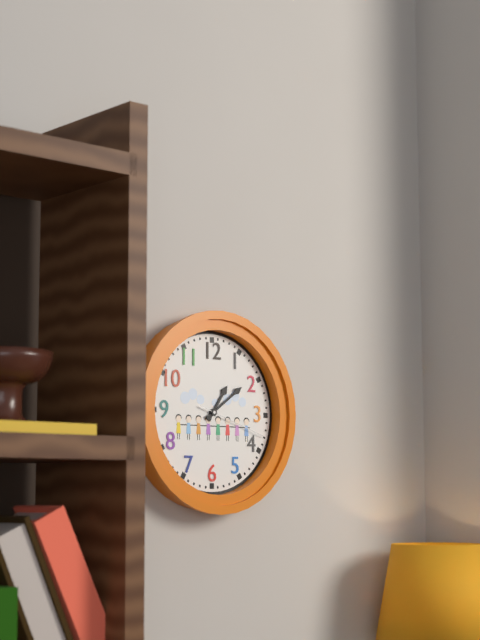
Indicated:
1.09.18
